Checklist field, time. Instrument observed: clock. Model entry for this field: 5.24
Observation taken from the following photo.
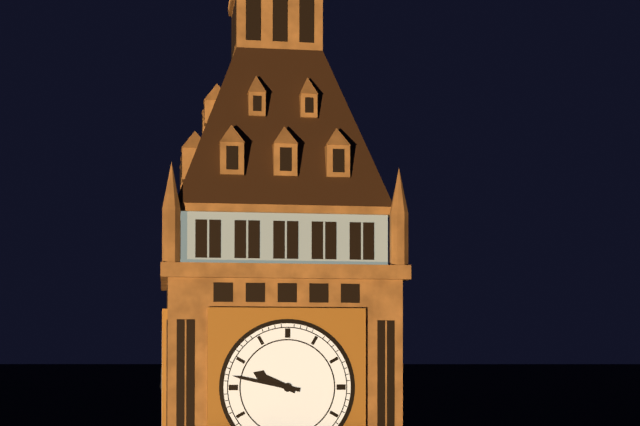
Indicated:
9.47
